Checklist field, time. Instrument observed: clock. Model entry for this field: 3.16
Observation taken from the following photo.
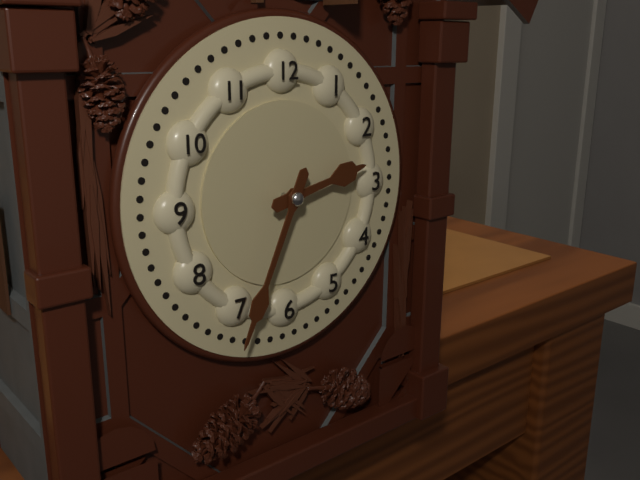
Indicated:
2.34
